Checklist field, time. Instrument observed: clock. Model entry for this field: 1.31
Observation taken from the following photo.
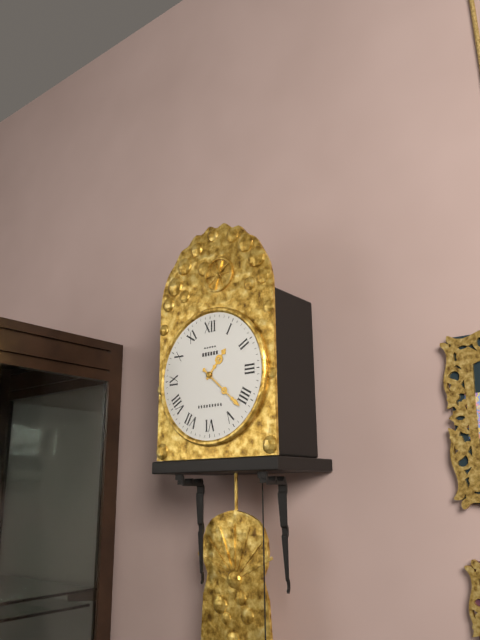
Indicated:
1.22
